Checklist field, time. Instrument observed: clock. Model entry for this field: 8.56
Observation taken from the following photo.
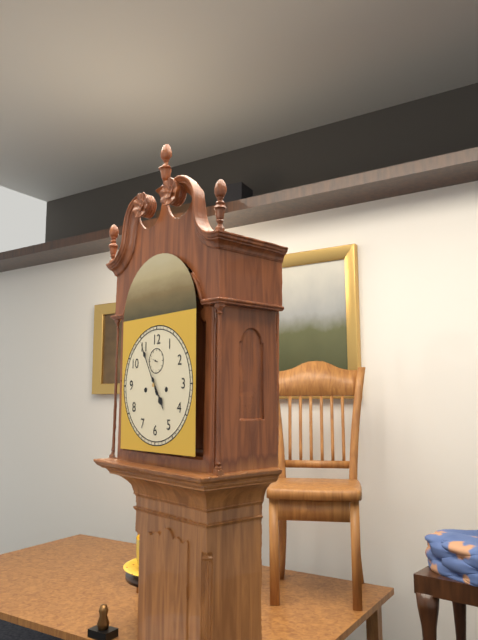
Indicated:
4.55
